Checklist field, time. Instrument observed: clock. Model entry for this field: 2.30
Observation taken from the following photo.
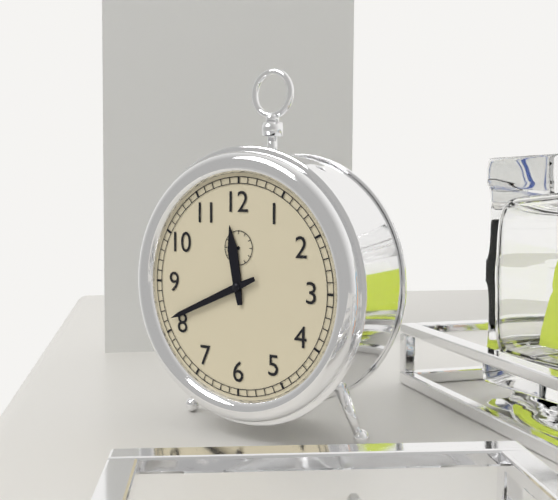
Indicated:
11.41
